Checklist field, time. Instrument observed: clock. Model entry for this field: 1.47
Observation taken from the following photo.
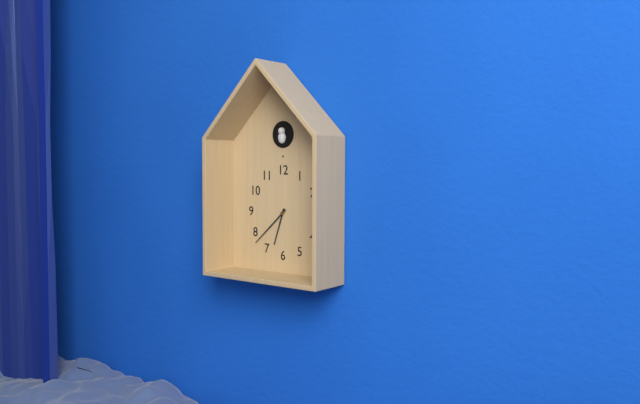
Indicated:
6.38
